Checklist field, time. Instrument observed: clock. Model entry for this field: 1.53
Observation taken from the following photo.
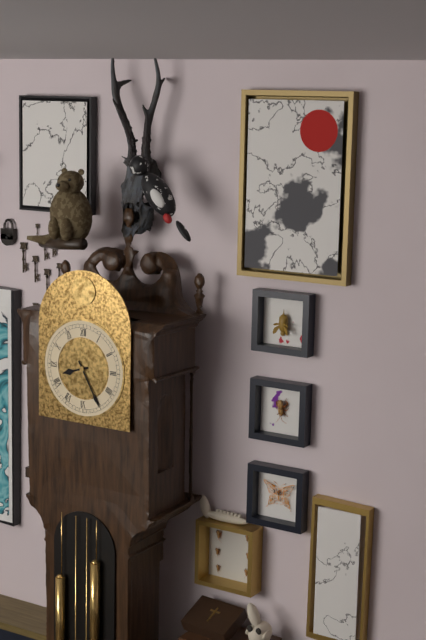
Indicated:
8.25
